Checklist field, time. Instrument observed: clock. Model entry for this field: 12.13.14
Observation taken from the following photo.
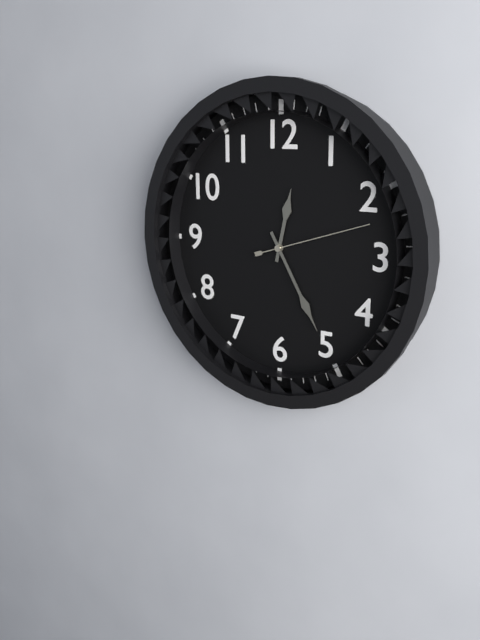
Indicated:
12.25.12
